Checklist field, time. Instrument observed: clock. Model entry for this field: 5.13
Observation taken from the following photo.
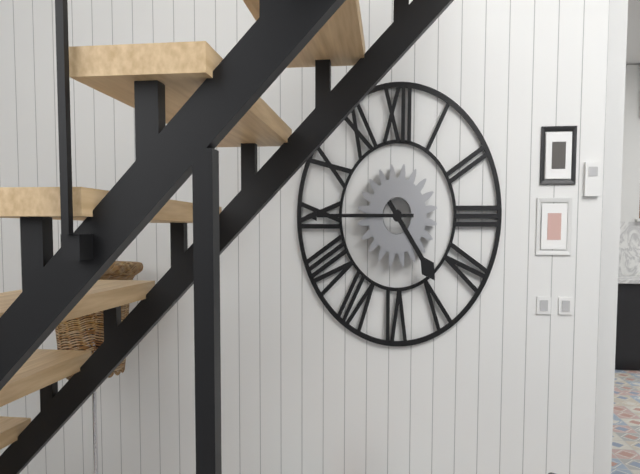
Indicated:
4.45
